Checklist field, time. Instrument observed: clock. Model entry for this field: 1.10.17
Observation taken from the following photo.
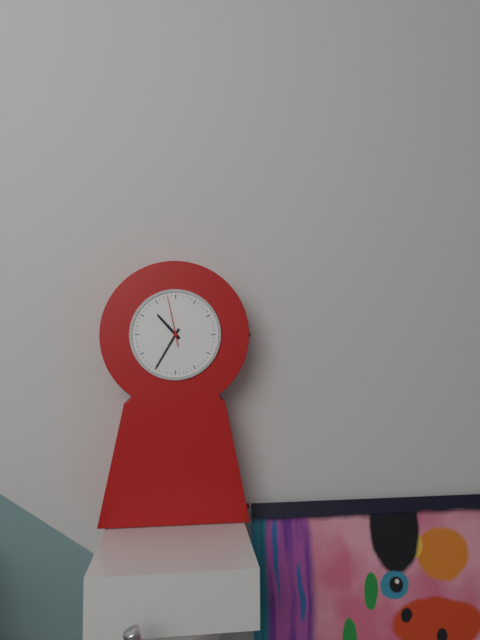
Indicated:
10.35.58
